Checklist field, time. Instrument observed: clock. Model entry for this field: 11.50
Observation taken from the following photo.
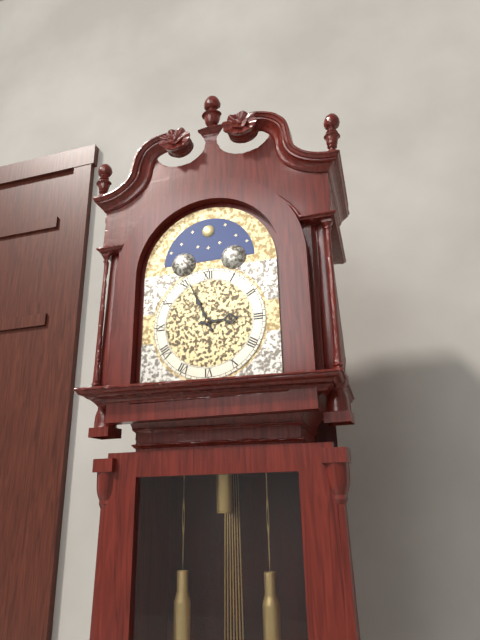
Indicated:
2.56
